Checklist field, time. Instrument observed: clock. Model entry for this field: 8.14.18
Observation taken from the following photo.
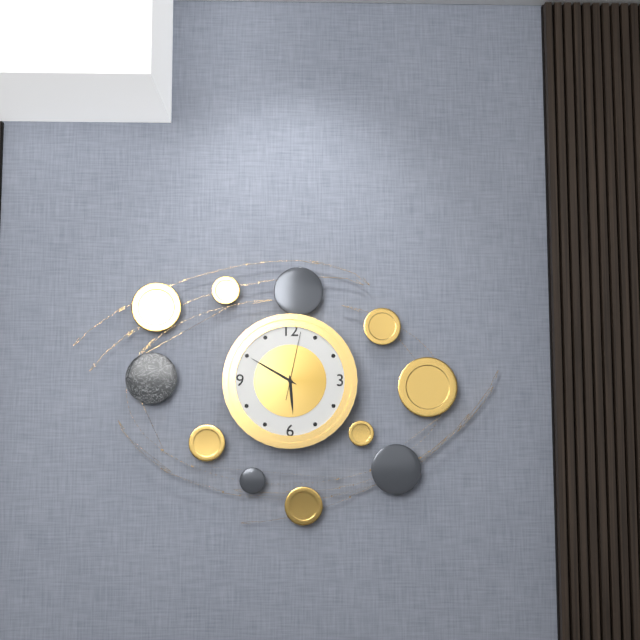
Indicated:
5.50.02
